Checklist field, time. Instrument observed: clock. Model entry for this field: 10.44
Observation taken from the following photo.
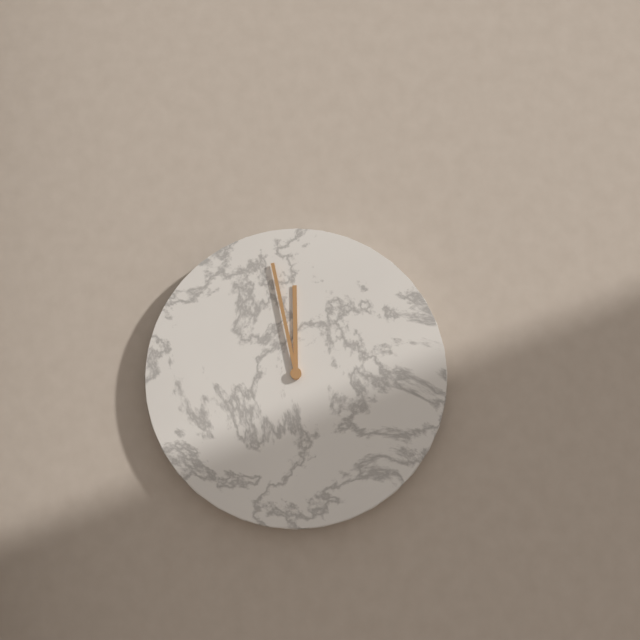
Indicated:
11.58
